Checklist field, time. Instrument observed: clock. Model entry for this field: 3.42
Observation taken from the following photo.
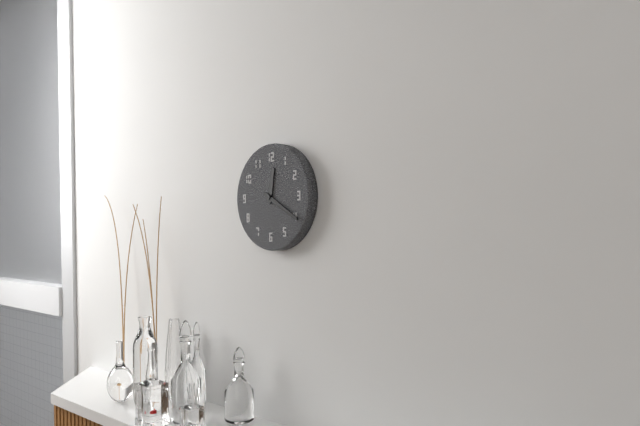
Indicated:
12.20
